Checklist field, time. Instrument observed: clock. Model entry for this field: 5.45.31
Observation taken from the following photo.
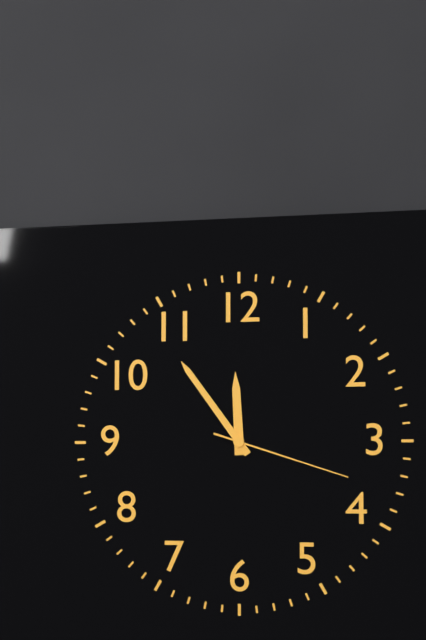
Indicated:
11.54.18
